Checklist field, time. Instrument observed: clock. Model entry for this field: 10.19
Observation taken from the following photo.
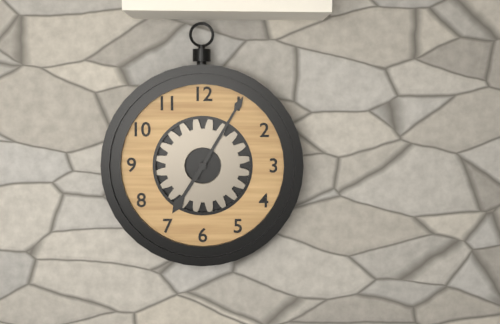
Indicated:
7.05
